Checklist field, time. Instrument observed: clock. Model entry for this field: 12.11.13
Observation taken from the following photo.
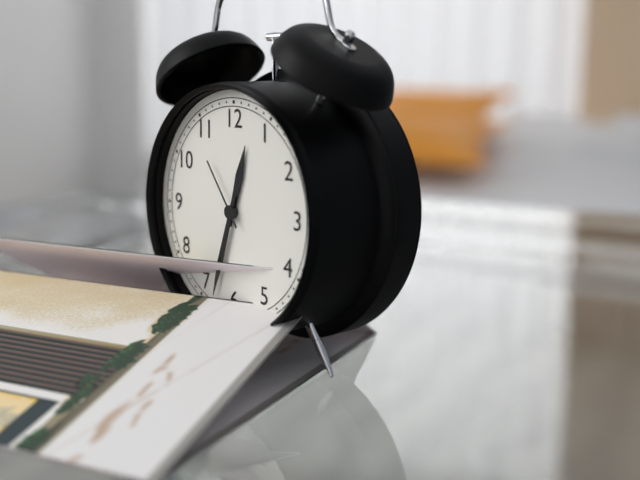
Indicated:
12.33.54
